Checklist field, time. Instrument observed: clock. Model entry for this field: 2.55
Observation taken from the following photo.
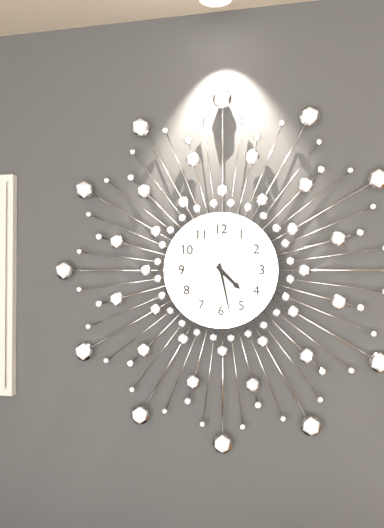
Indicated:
4.28
